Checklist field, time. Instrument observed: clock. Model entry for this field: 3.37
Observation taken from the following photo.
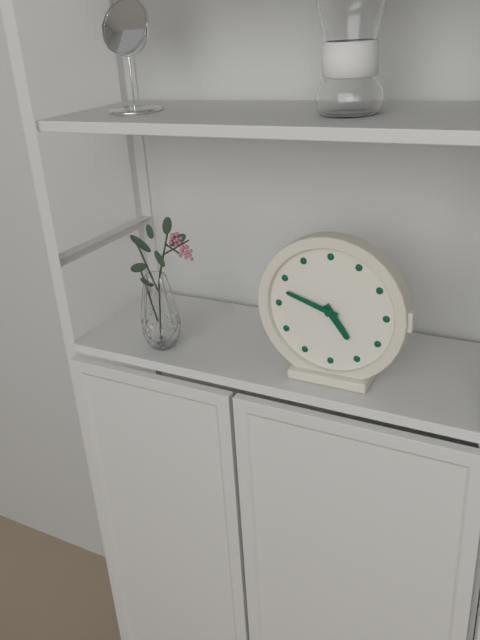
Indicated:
4.48
